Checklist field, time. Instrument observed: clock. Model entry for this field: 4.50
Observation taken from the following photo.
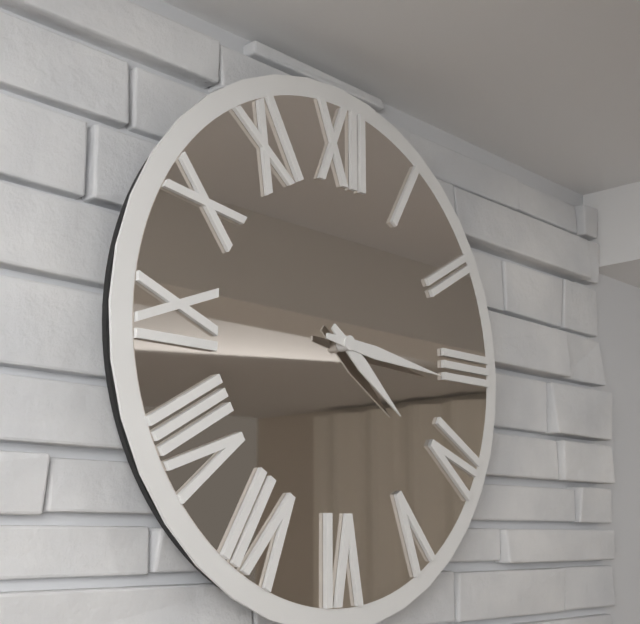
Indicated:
4.16
